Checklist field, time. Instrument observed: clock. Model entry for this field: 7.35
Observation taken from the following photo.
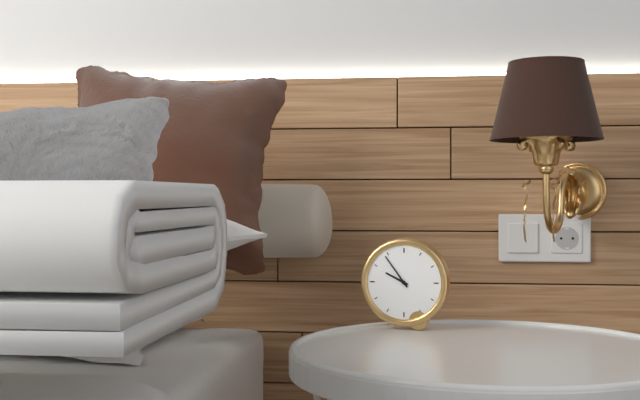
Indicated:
9.54
